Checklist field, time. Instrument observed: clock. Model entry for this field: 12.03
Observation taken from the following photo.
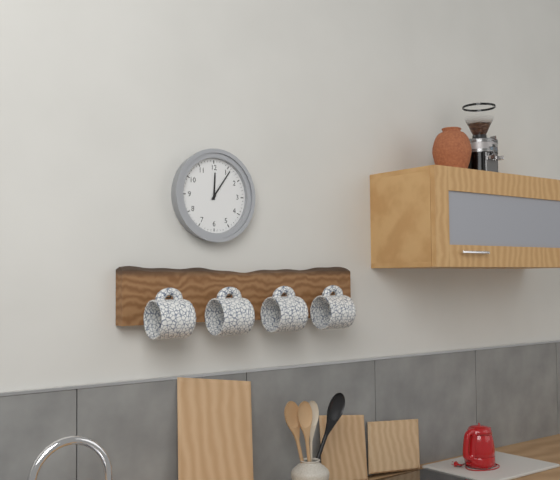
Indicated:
12.06
